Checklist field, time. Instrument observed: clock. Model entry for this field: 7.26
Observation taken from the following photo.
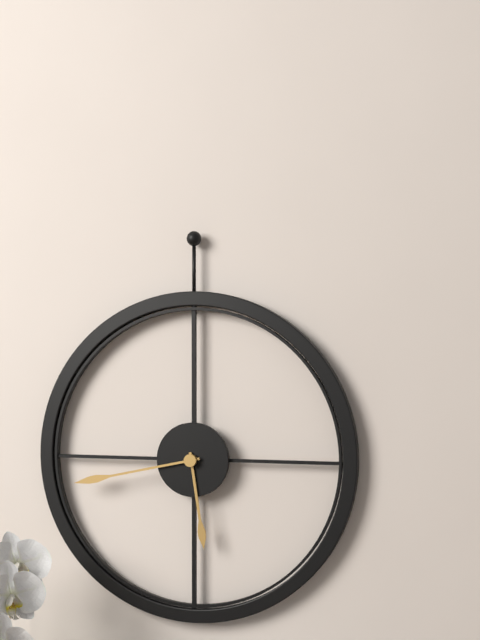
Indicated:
5.43
